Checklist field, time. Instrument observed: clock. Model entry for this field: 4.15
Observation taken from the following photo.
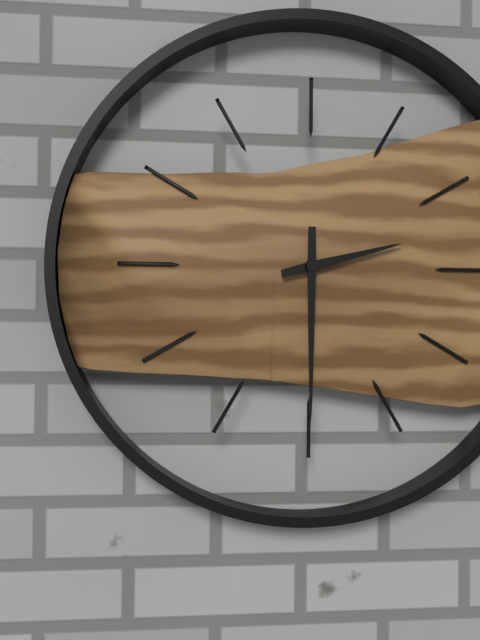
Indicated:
2.30
